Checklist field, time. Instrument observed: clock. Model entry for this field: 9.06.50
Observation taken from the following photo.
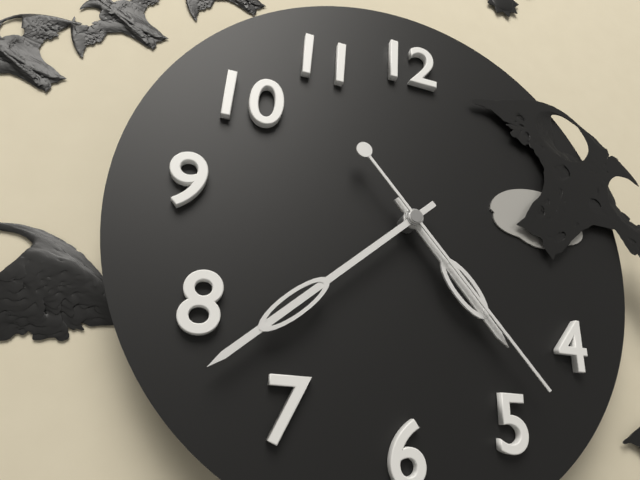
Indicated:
4.38.23
